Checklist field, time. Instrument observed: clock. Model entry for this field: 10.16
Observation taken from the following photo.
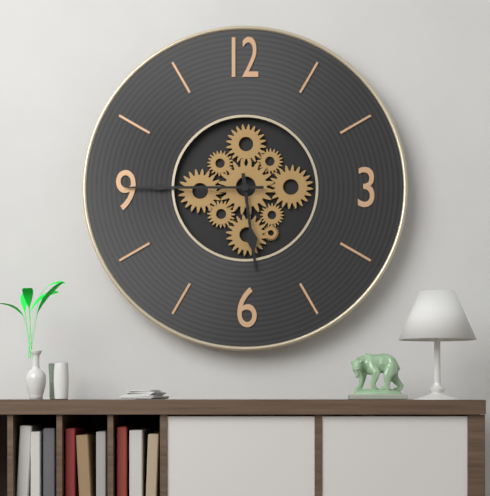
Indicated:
5.45
